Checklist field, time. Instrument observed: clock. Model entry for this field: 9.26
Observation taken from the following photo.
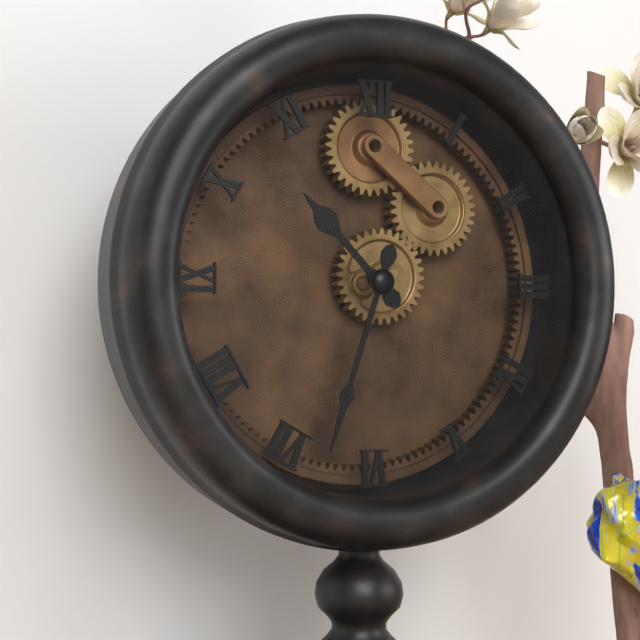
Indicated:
10.33
